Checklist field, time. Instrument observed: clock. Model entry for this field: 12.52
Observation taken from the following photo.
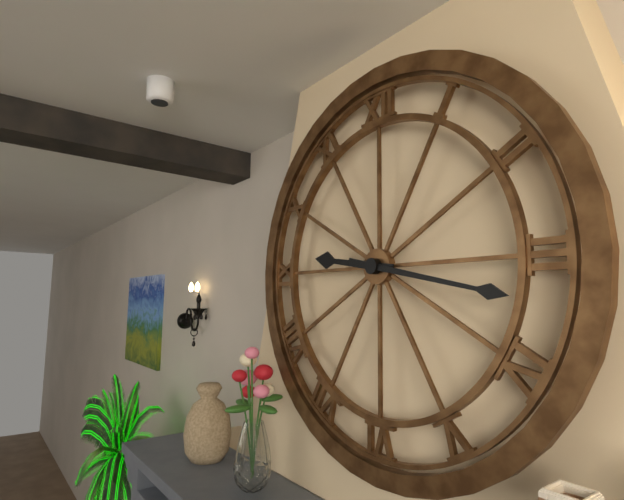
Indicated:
9.17
